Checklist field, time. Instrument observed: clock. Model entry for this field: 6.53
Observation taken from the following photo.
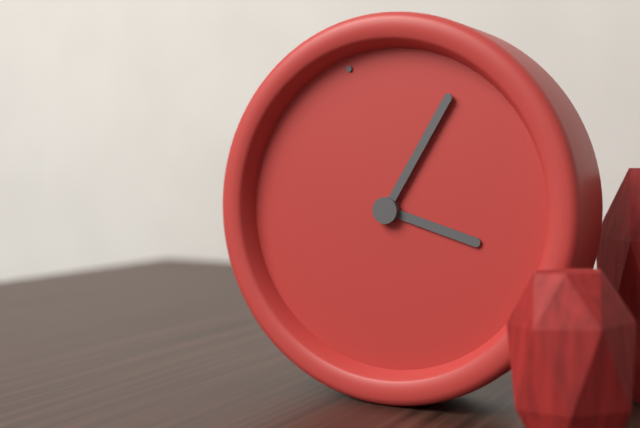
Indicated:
4.08
